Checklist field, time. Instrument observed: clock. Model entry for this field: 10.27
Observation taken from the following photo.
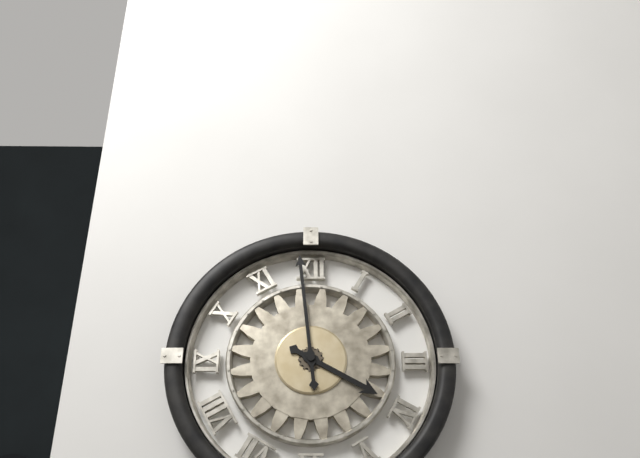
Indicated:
3.59
